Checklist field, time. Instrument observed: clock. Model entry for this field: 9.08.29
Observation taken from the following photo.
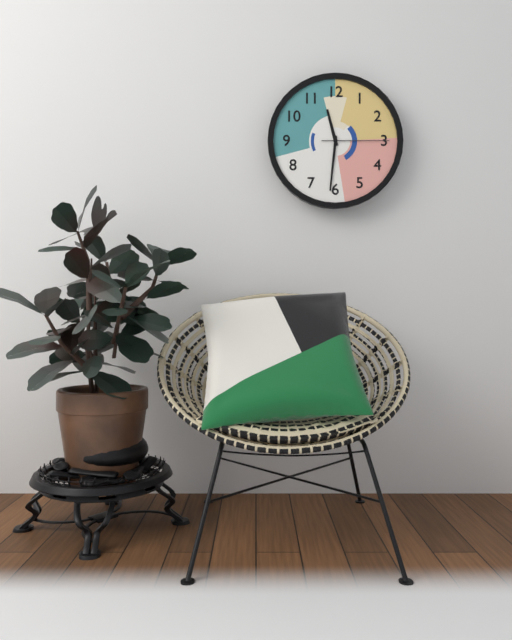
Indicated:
11.31.15
